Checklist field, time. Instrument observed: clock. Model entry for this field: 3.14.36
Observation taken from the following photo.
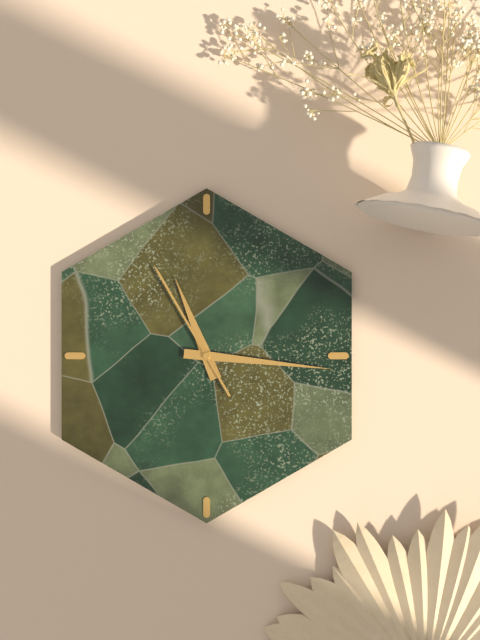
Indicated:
11.16.55
